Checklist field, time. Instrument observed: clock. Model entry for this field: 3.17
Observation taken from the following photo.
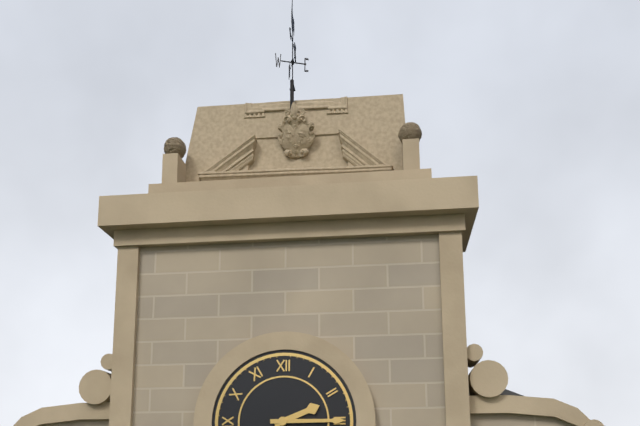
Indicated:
2.15
